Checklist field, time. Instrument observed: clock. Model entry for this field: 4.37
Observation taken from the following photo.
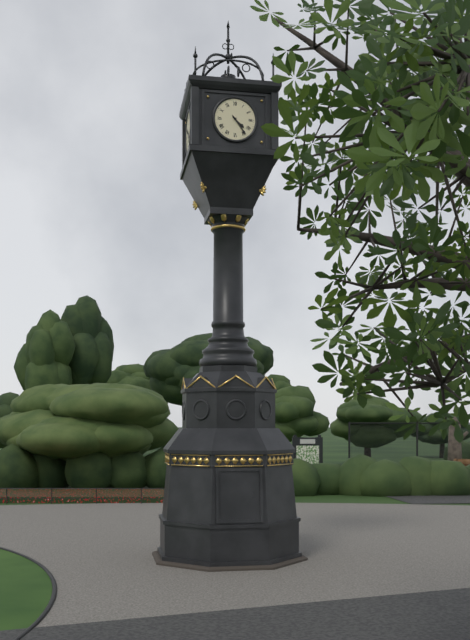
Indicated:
4.24
